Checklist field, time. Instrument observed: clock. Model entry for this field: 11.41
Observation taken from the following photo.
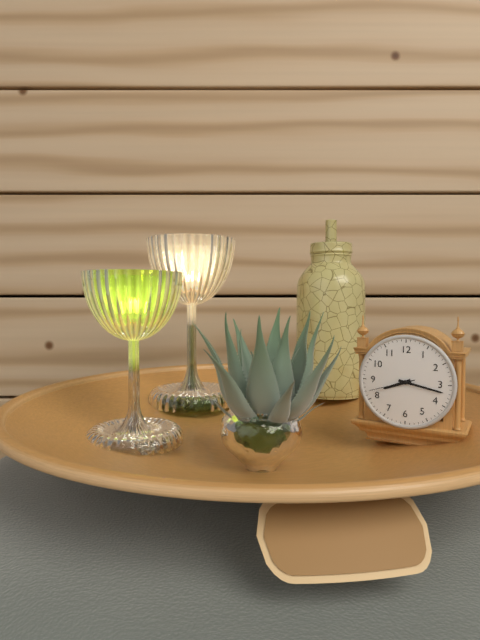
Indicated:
8.17
